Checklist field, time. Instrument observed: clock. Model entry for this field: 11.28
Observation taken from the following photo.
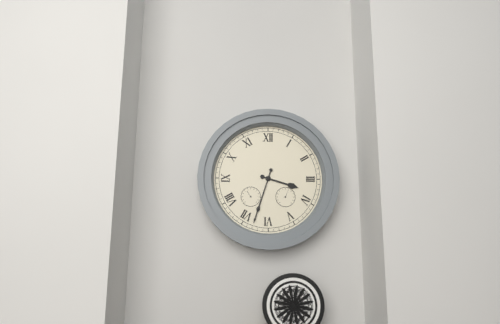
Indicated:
3.33
